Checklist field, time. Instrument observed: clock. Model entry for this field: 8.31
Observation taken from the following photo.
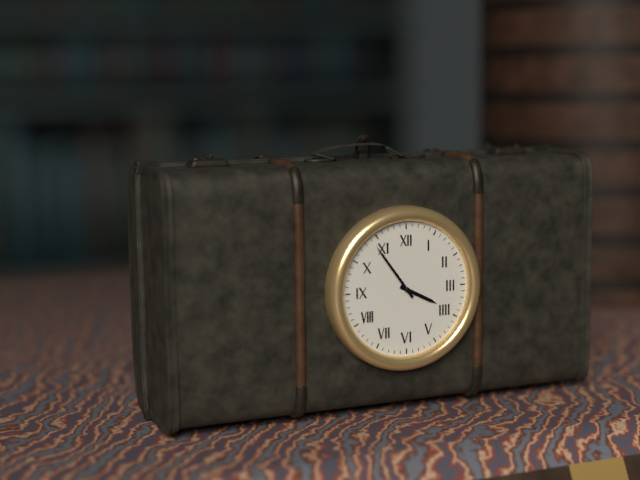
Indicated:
3.54
